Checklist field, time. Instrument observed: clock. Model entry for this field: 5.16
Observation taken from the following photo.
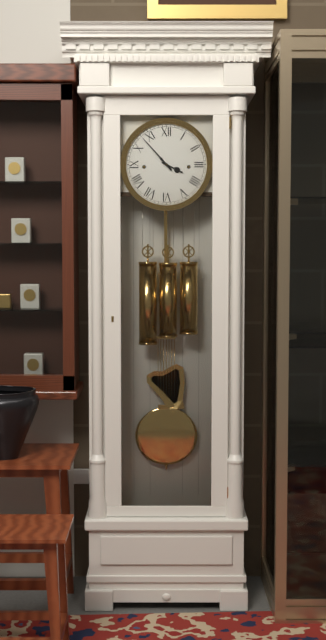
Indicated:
3.53
